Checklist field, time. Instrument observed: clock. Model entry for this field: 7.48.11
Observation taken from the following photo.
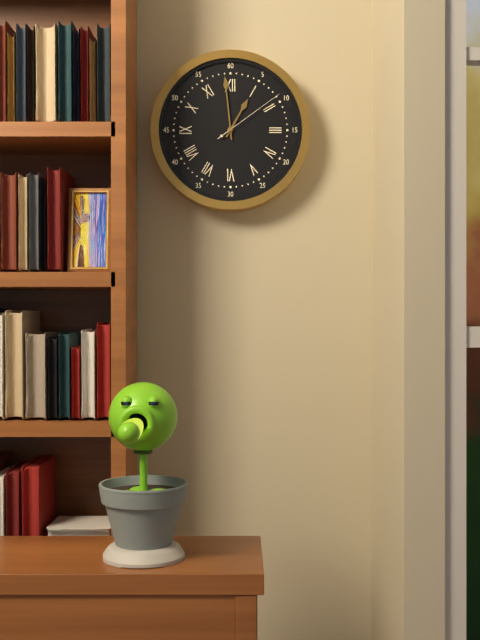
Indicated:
12.59.09
